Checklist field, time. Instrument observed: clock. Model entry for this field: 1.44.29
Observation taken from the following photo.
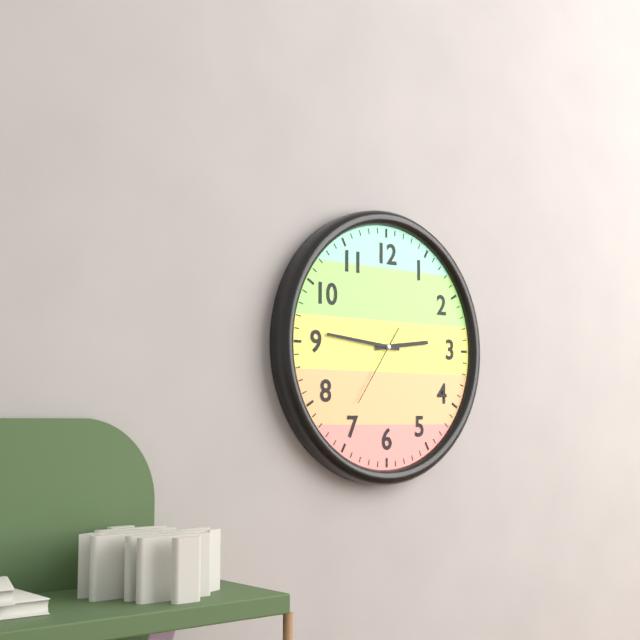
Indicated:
2.46.36
